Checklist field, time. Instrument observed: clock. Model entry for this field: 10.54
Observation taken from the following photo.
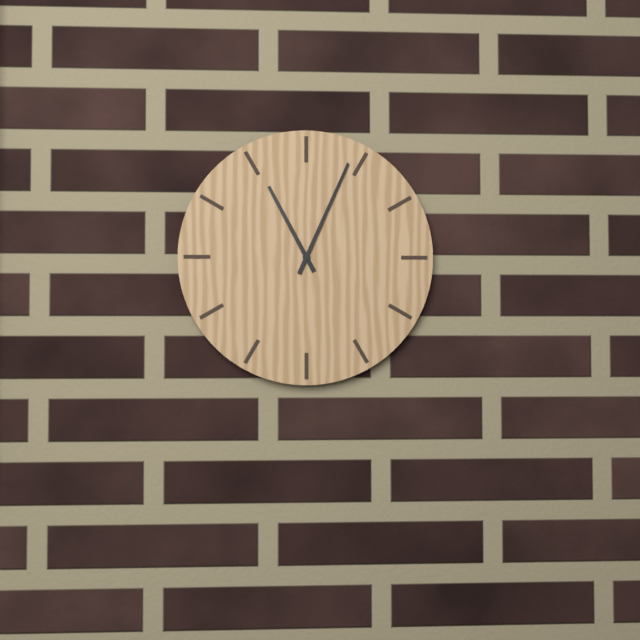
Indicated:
11.04
